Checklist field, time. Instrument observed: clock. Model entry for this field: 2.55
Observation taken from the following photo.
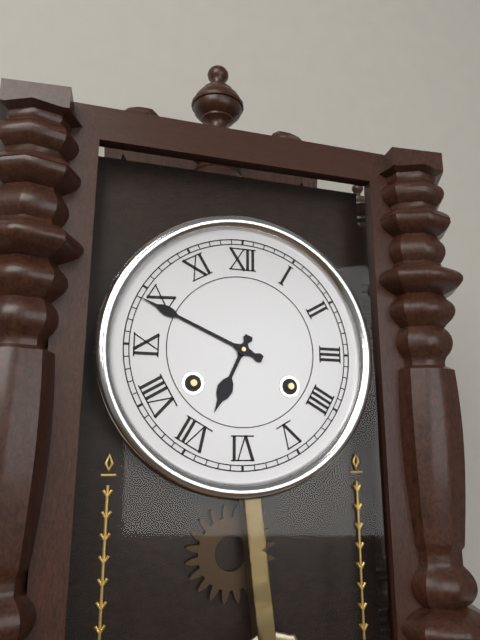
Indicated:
6.49
